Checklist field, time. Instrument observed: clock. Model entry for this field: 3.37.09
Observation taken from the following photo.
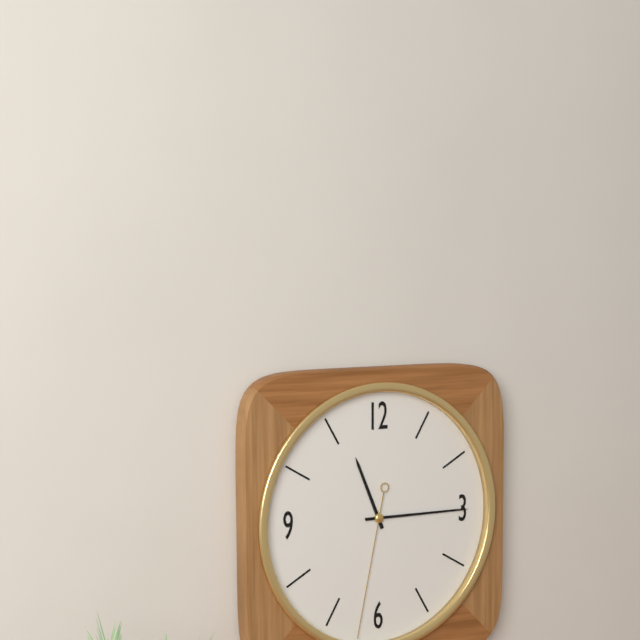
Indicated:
11.15.32
